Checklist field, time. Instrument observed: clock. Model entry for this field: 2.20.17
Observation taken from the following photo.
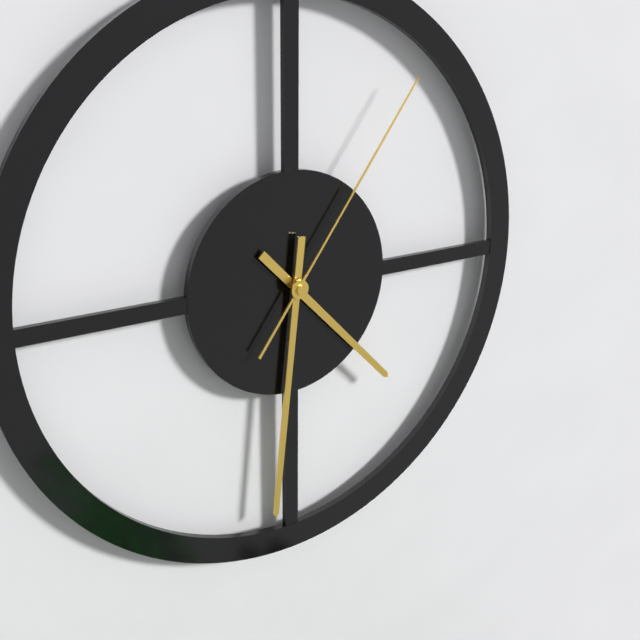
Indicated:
4.31.06
